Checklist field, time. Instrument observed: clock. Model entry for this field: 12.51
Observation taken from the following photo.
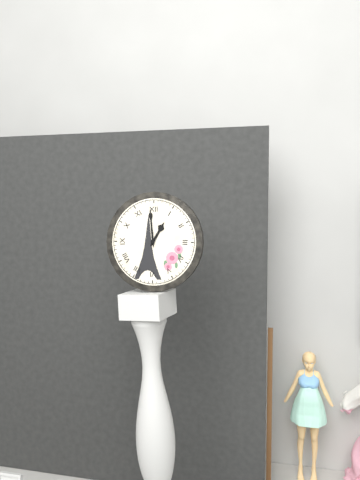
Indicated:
12.59
